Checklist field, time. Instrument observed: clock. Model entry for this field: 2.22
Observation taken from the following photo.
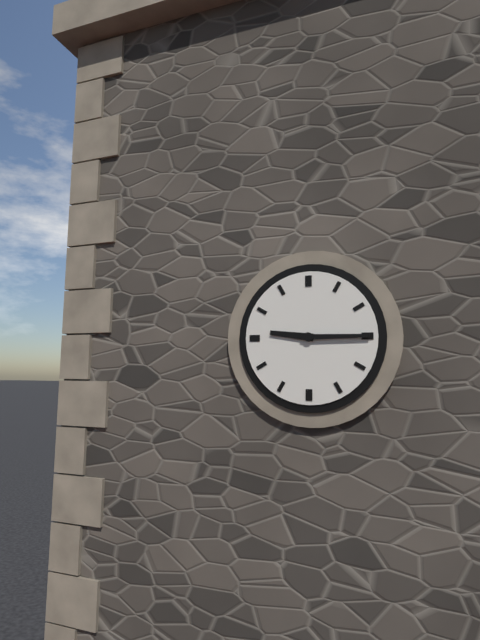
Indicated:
9.15
